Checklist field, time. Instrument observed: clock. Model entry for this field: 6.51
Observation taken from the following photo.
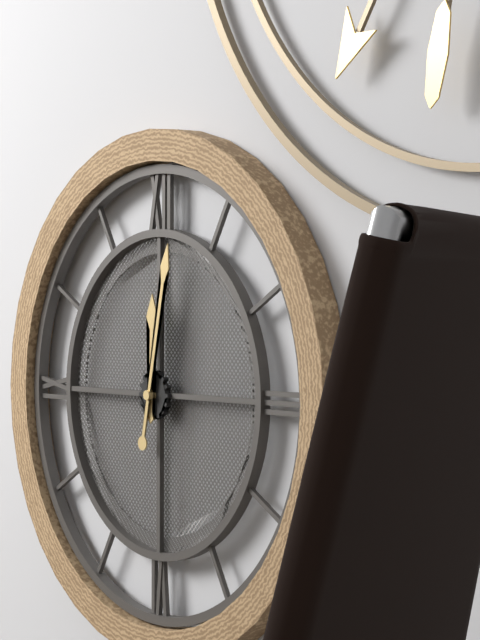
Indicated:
12.02
